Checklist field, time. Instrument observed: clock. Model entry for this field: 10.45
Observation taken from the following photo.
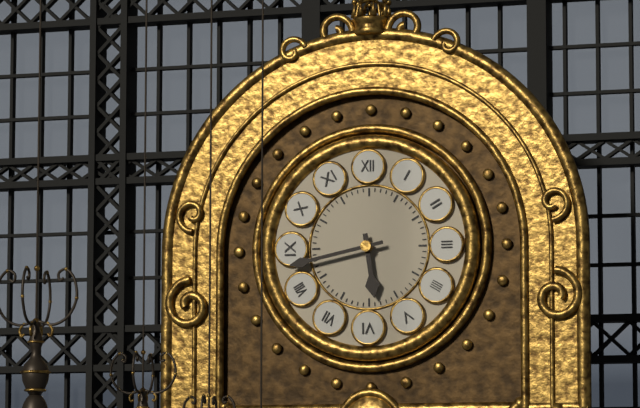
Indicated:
5.43
